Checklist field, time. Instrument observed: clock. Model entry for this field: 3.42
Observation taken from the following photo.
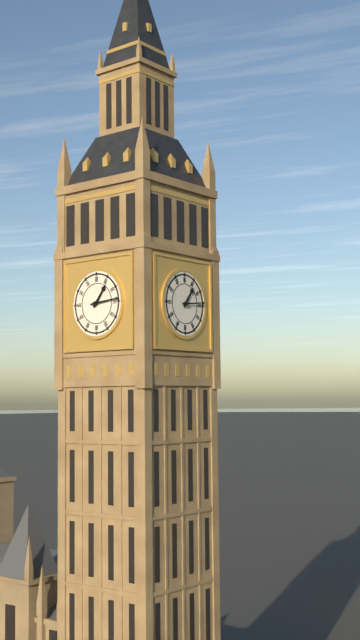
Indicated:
1.14
